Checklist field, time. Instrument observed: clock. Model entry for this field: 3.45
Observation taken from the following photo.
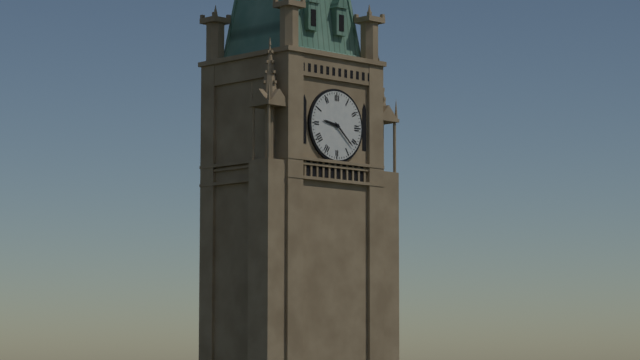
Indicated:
9.22
